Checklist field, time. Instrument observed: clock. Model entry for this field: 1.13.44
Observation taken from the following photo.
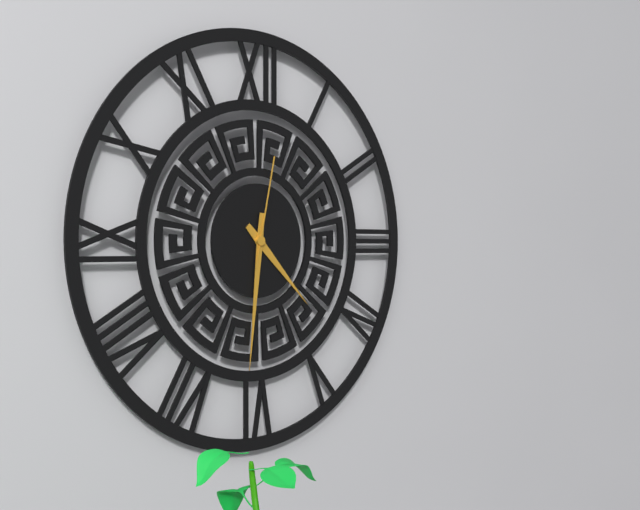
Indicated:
4.31.02
